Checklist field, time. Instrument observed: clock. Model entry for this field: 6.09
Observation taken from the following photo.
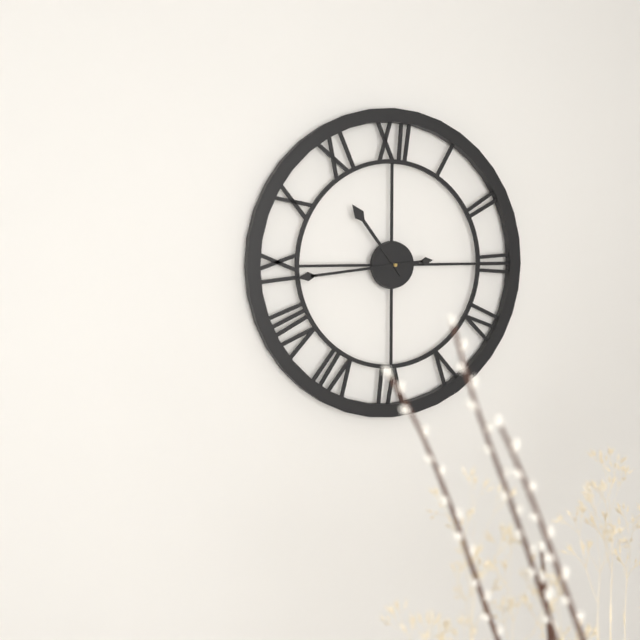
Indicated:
10.44
